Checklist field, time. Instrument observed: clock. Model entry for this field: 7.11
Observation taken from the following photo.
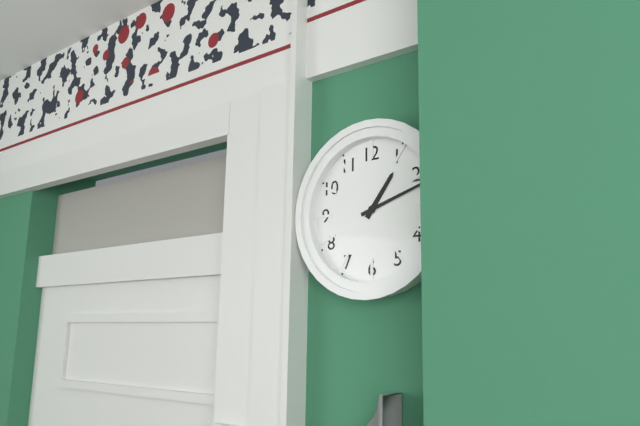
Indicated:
1.12
